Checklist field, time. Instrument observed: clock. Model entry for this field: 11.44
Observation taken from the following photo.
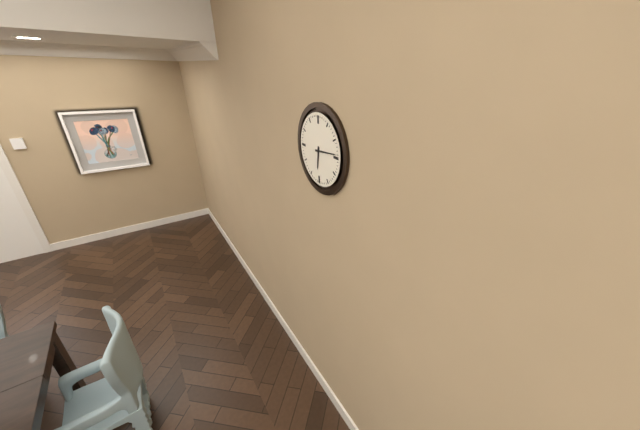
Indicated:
6.14
